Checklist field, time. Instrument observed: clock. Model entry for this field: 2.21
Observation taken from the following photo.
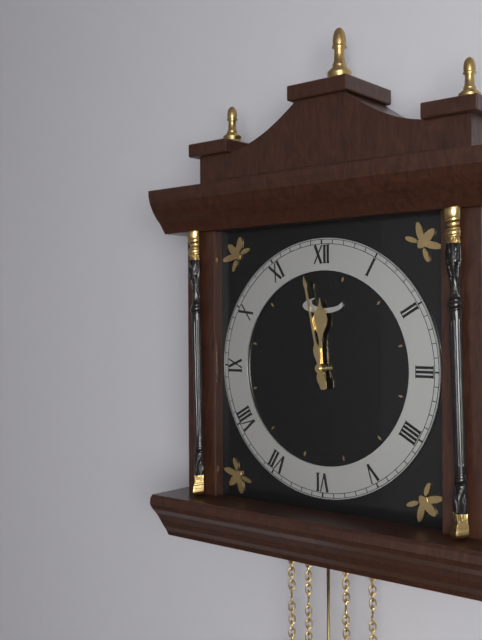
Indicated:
11.58
